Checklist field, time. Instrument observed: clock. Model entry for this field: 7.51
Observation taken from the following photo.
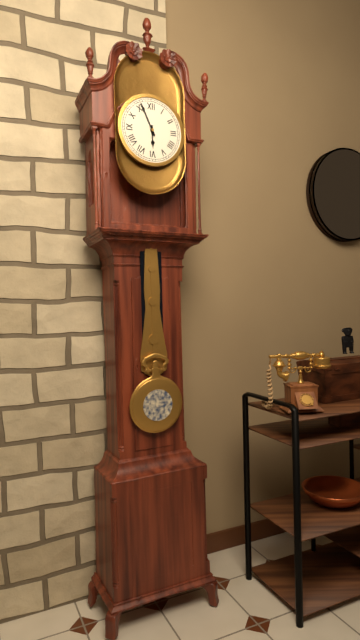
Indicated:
5.56
